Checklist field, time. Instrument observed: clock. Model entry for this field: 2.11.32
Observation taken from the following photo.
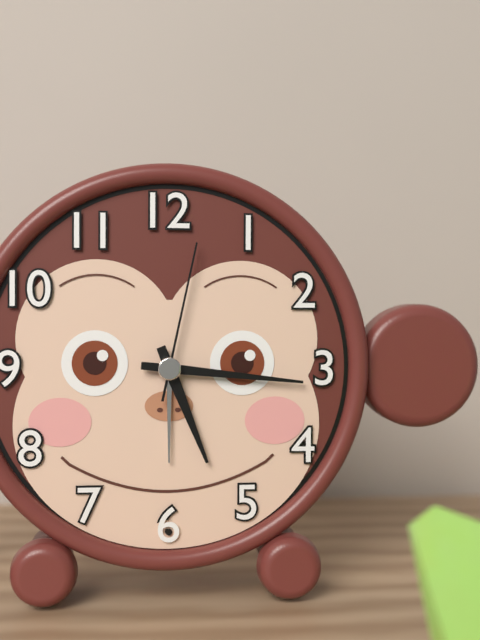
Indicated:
5.16.02
